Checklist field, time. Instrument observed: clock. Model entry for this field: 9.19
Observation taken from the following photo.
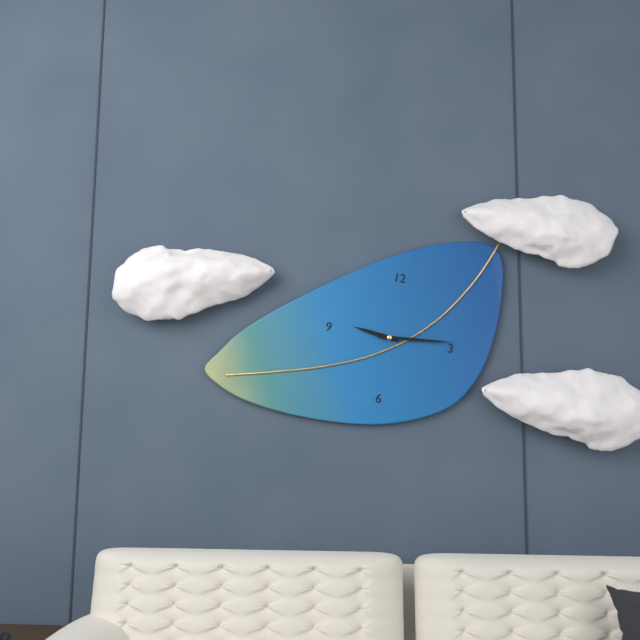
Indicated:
9.14
